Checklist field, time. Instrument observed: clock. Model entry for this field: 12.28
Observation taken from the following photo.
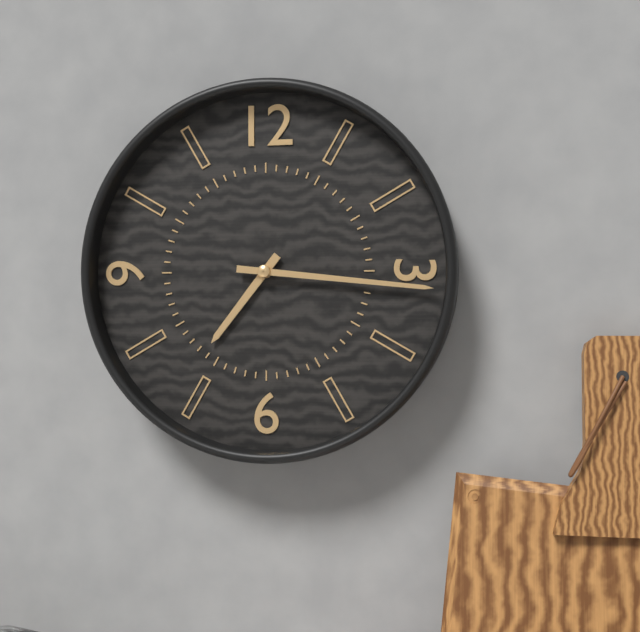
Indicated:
7.16
